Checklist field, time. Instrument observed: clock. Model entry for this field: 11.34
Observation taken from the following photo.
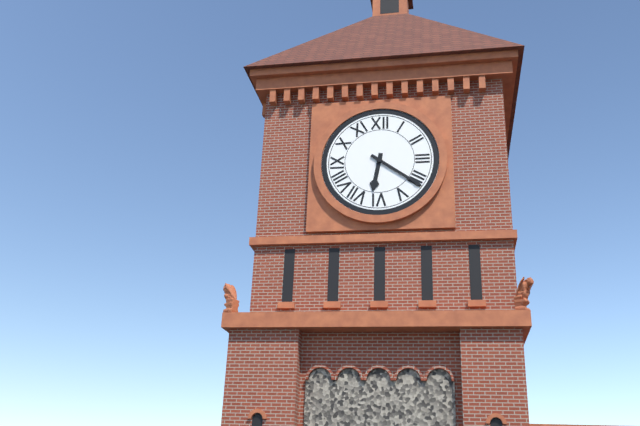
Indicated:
6.21
